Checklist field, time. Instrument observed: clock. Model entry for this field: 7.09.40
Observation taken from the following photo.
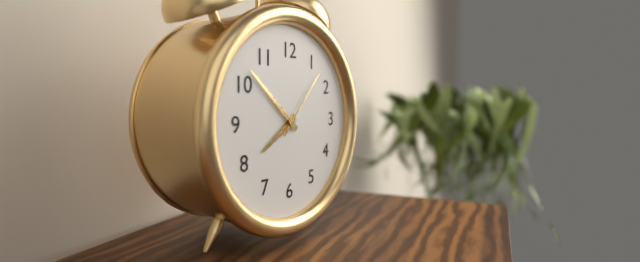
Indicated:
7.52.07
